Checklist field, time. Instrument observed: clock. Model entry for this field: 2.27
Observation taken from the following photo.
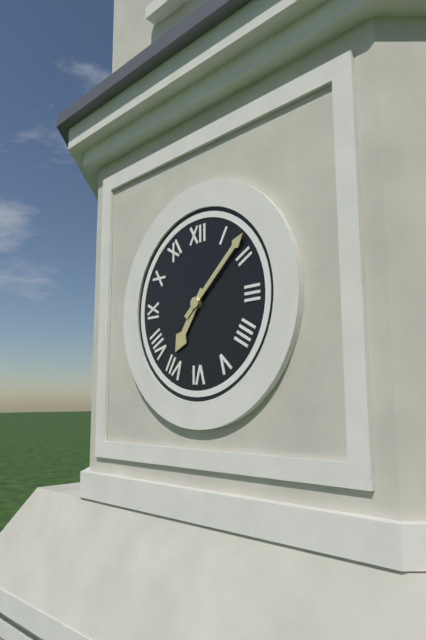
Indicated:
7.08
